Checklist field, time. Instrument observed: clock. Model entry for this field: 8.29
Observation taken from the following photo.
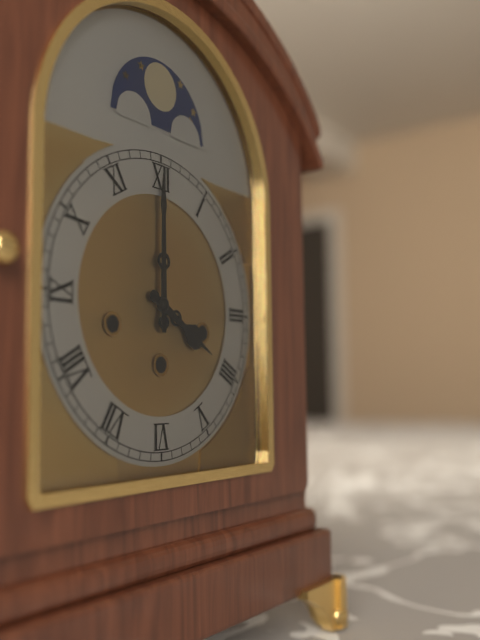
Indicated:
4.00
